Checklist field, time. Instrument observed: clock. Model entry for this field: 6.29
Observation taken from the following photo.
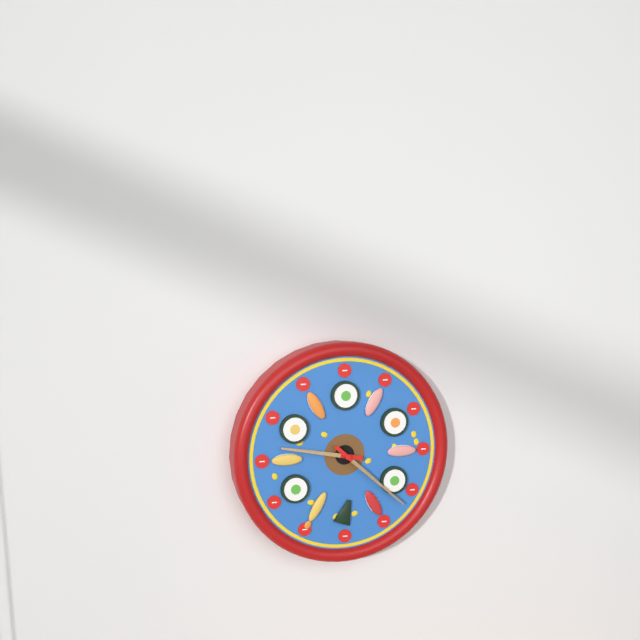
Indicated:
9.22
